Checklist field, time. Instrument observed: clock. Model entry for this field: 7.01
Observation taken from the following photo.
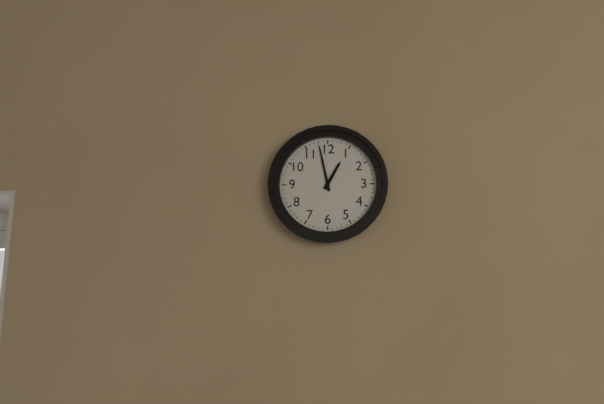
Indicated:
12.58
